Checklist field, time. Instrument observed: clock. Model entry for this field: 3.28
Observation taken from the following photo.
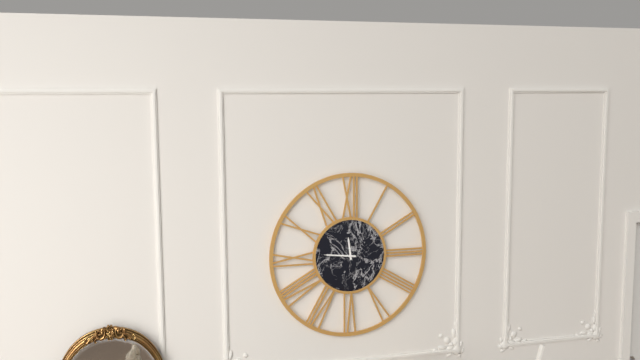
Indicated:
11.46
